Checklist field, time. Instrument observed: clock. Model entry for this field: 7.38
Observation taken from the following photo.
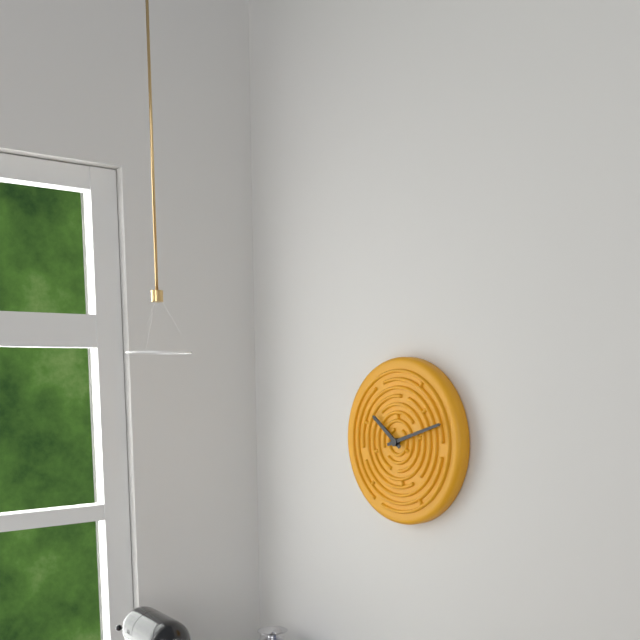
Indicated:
10.12
